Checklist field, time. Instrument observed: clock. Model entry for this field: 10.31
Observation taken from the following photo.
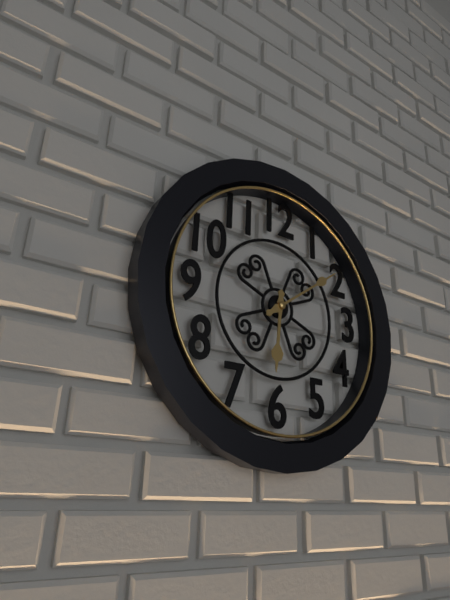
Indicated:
6.09
